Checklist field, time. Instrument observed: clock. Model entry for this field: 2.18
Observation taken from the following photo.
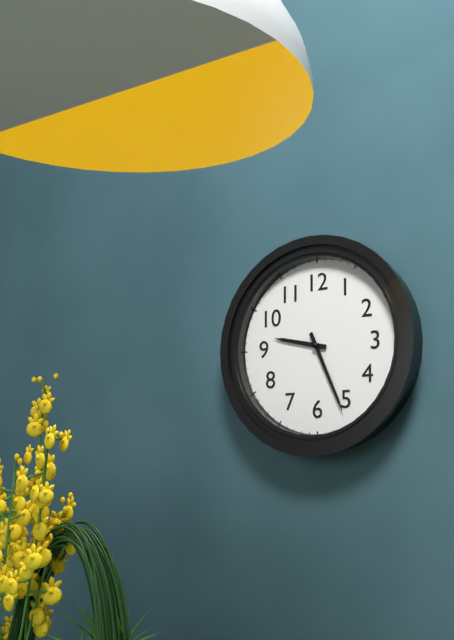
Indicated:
9.26
